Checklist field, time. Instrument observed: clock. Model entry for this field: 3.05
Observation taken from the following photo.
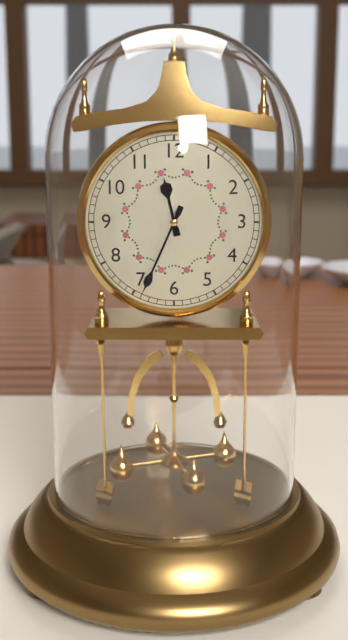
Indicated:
11.34
